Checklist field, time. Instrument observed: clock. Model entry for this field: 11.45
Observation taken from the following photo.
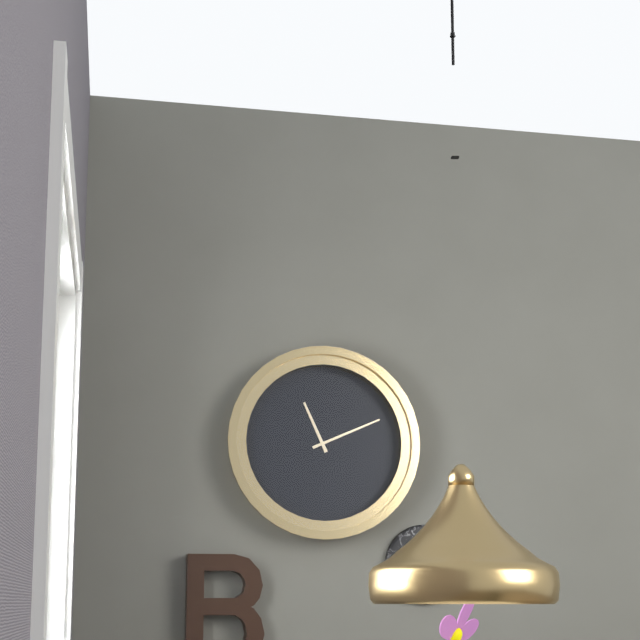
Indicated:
11.11
